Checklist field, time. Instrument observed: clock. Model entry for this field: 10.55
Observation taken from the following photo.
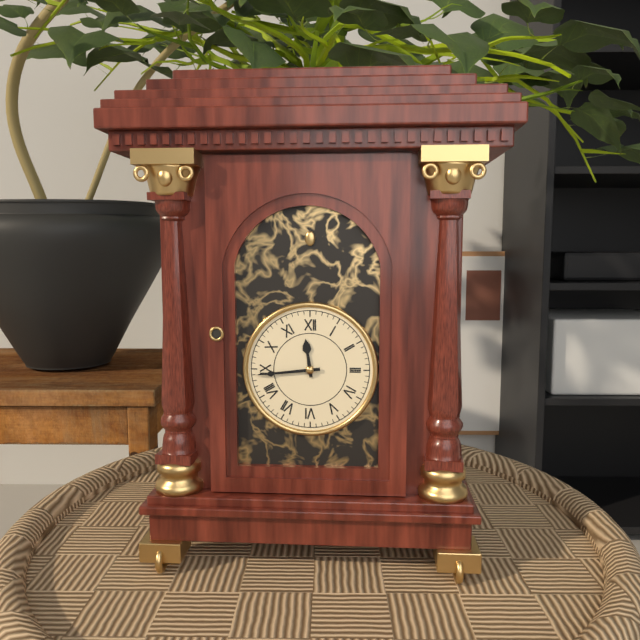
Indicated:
11.44
